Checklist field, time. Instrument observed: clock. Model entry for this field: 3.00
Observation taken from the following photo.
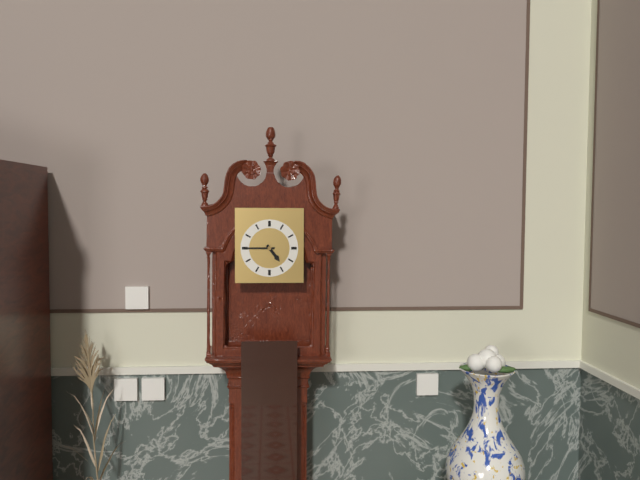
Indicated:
4.45
